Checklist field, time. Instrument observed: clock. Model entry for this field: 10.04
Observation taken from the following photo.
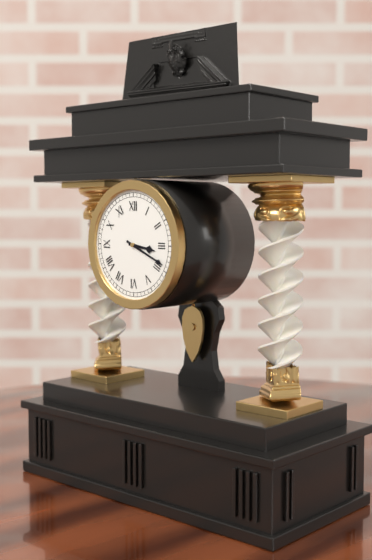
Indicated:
3.19
